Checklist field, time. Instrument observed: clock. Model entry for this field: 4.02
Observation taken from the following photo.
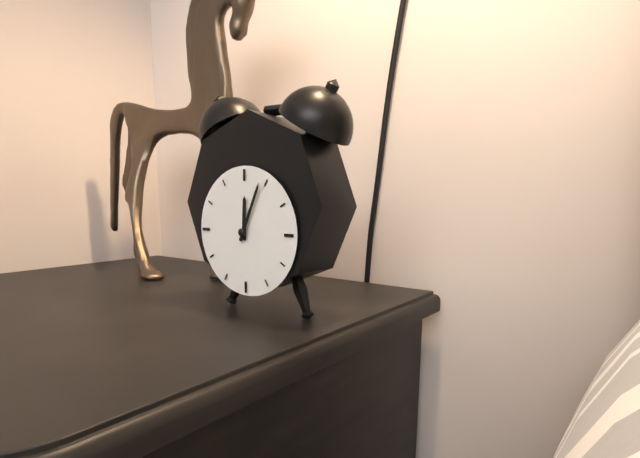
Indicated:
12.04
